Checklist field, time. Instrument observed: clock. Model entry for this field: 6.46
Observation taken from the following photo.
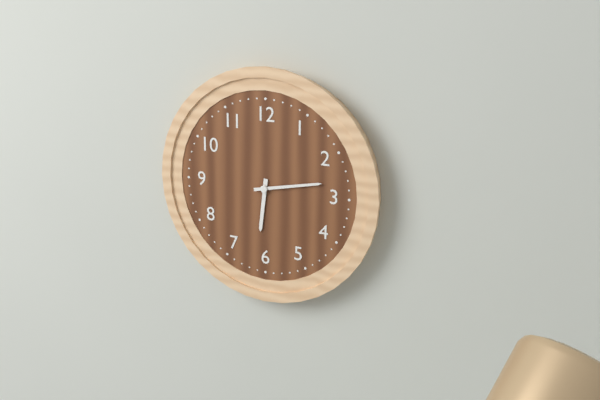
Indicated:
6.13
